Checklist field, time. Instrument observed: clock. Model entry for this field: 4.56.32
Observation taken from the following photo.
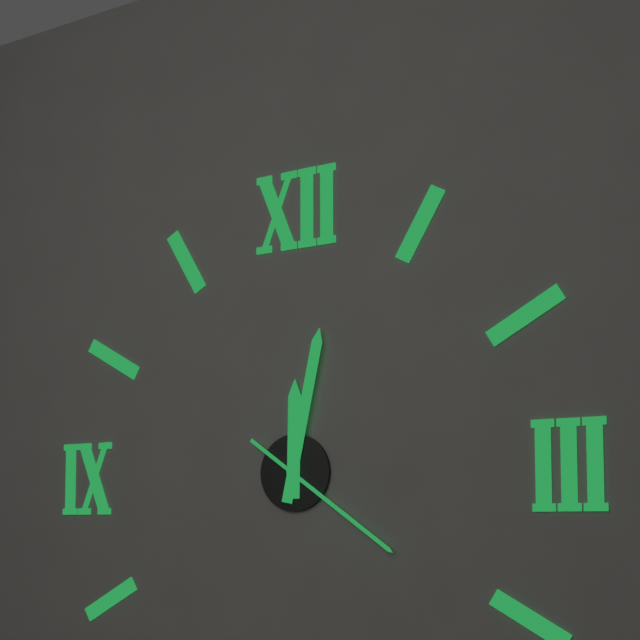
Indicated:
12.02.21
